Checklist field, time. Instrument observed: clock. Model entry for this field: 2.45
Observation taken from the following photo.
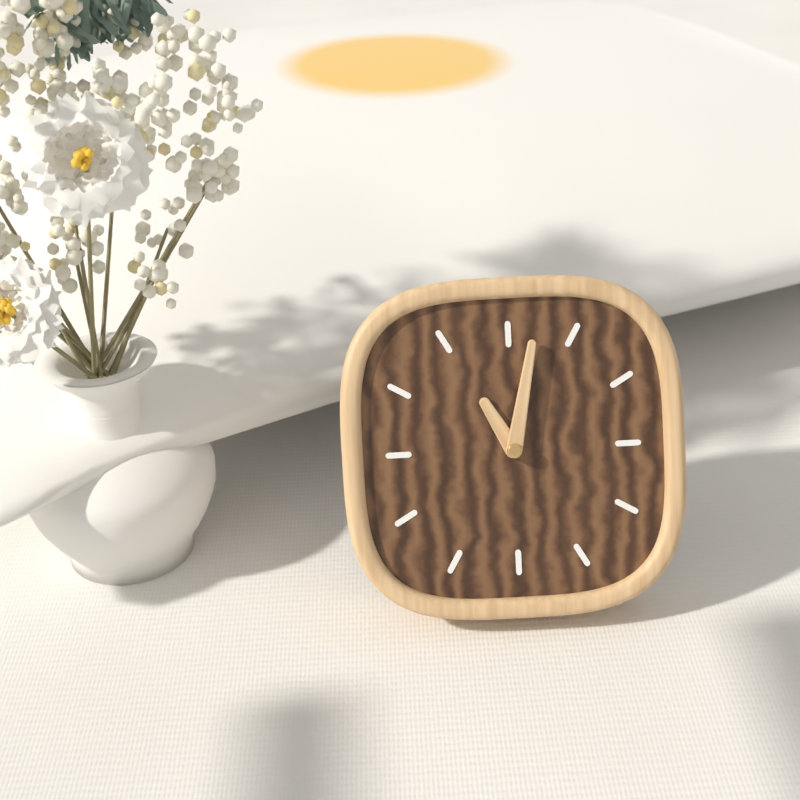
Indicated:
11.02
